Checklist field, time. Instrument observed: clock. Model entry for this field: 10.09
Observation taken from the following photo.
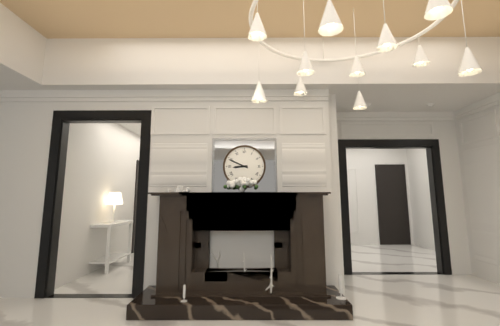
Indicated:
8.49
